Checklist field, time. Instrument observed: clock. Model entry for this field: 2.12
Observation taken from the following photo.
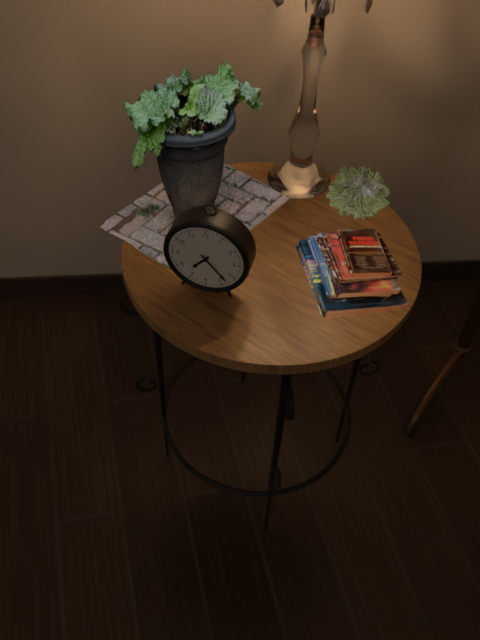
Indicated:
7.23
